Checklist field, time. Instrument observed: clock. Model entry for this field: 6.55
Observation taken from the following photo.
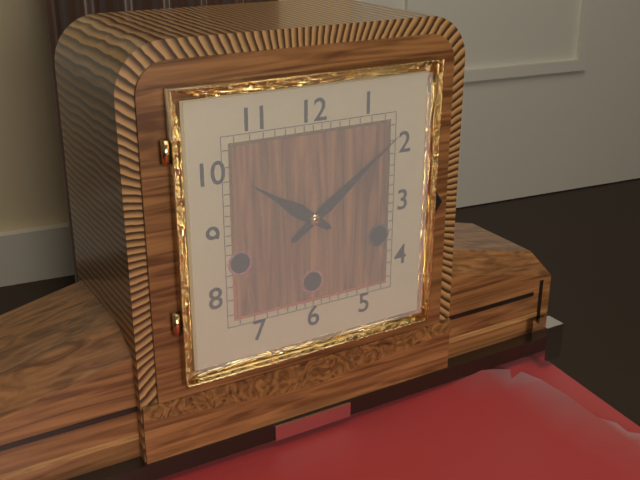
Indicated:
10.09
